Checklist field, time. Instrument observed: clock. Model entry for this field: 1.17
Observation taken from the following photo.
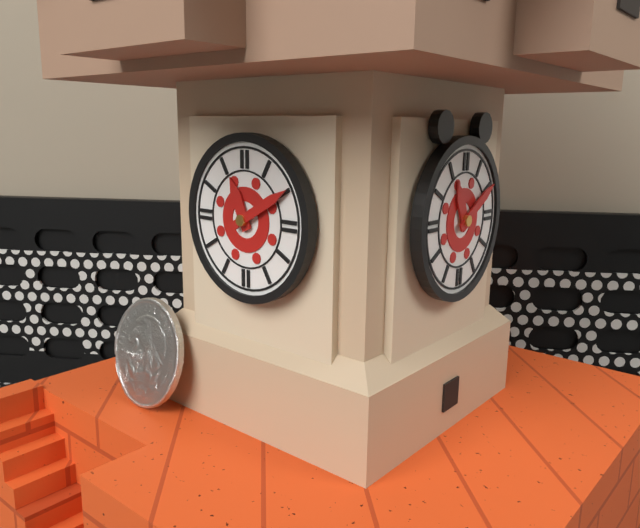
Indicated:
11.10
